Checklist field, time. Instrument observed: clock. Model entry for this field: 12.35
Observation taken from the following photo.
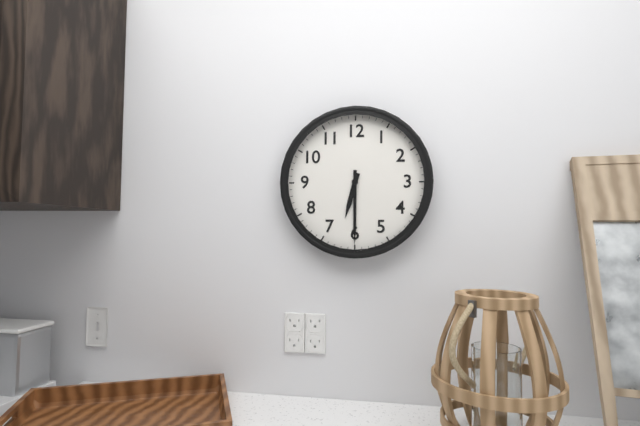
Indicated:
6.30
